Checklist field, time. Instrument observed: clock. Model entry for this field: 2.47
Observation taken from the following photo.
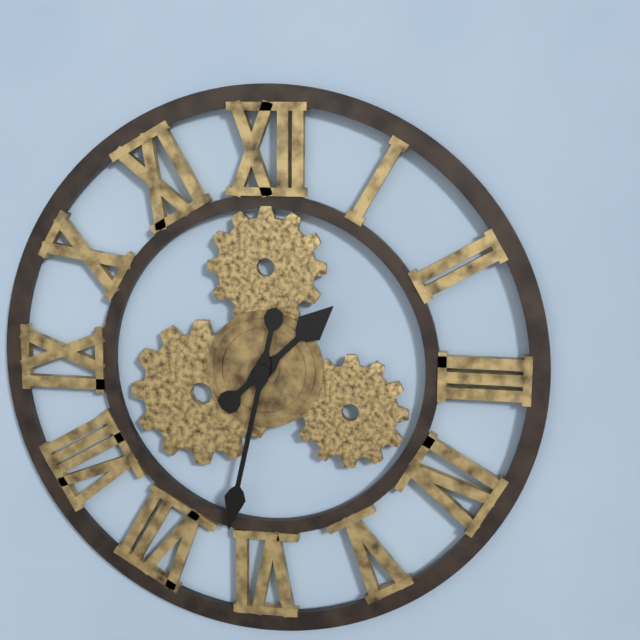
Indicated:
1.32
